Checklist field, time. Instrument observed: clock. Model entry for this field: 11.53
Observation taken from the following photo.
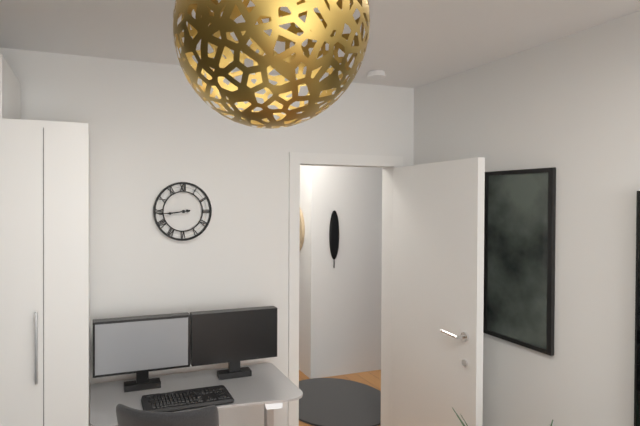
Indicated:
8.44
